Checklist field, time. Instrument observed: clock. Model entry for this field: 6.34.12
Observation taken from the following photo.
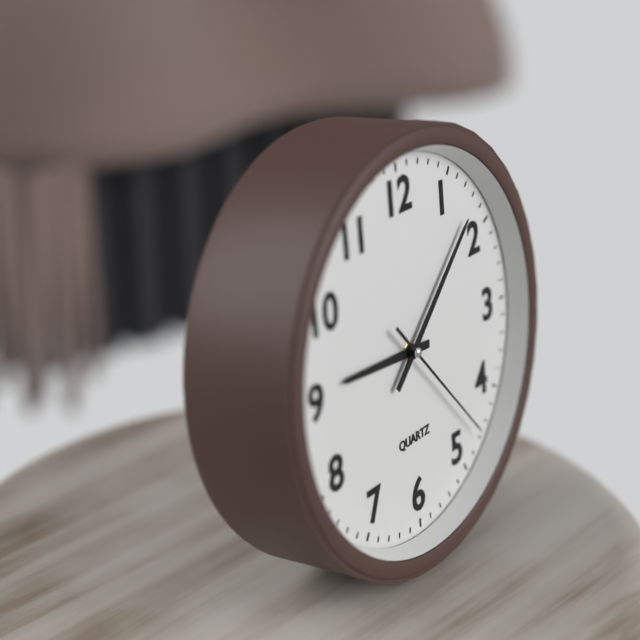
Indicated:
9.08.23
